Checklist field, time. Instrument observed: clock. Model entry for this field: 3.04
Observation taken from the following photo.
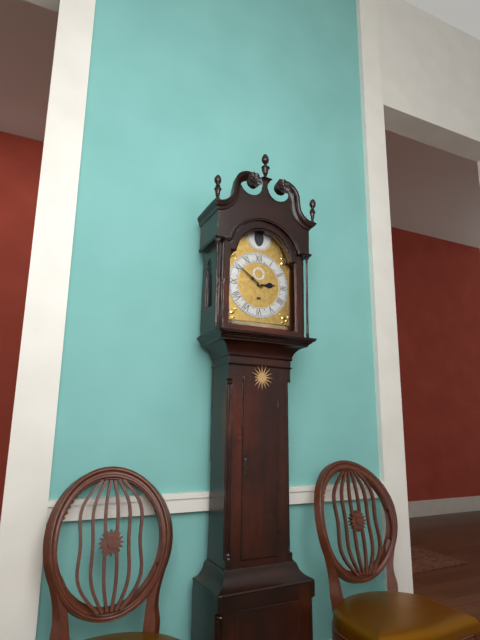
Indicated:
2.51
